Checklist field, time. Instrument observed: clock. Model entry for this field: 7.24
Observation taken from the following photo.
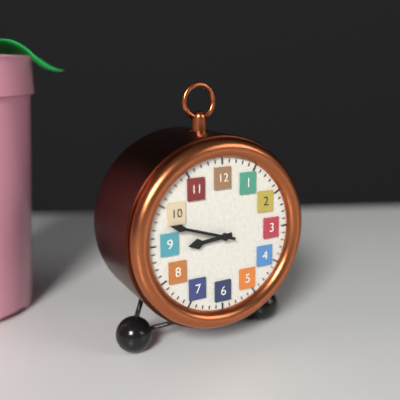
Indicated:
8.48
